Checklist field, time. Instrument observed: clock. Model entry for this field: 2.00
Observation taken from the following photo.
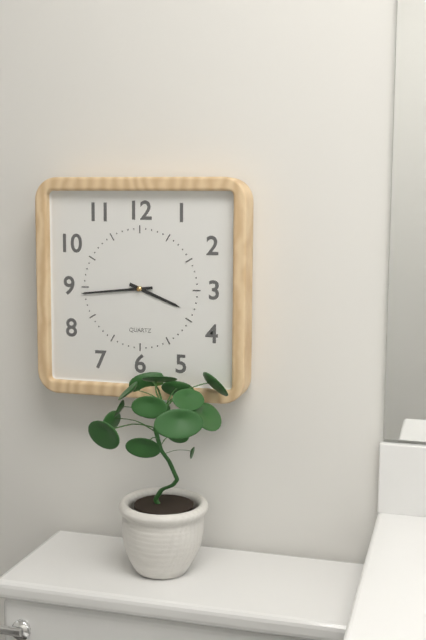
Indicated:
3.44
